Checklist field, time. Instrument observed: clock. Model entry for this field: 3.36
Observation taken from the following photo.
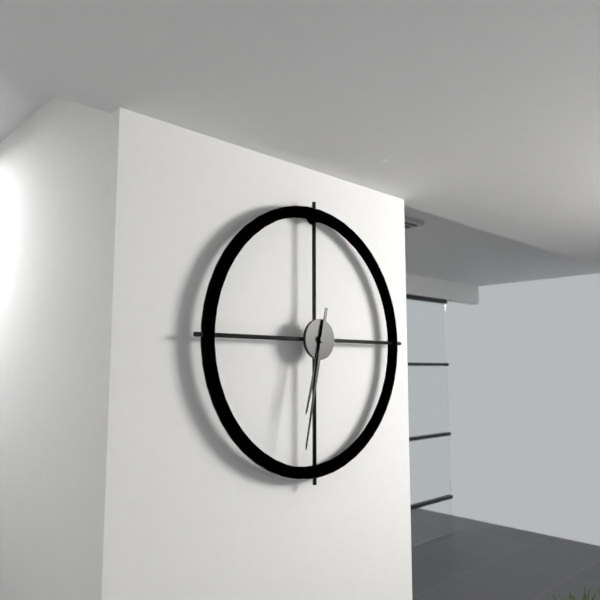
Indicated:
6.32
